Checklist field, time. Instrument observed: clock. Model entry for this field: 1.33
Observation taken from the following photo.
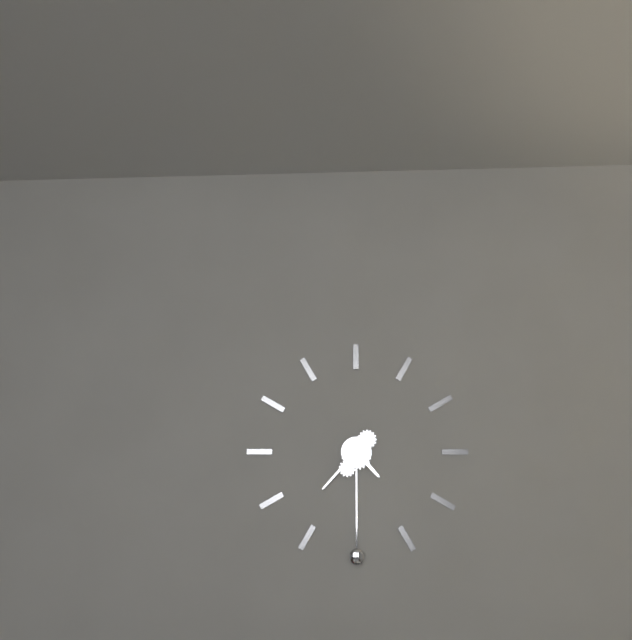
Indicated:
4.37
